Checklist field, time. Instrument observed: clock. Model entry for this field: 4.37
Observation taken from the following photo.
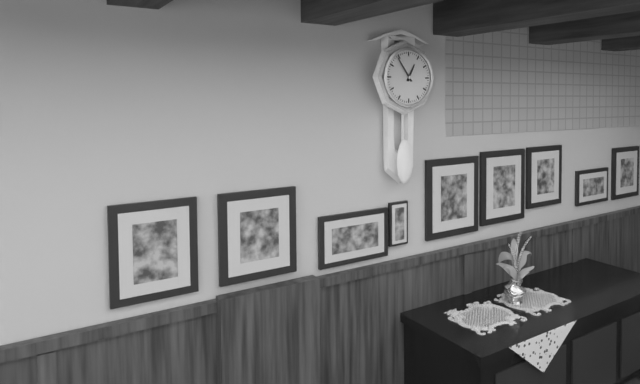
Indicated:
12.54
